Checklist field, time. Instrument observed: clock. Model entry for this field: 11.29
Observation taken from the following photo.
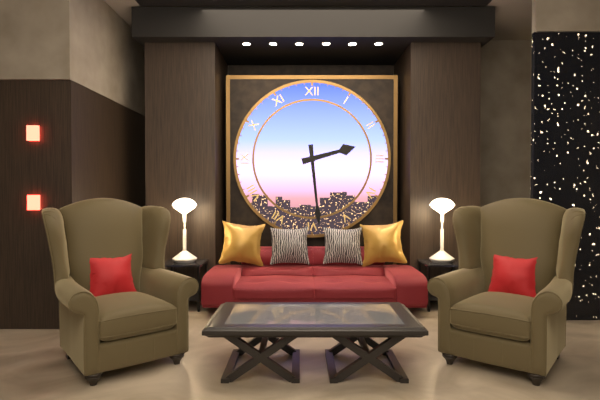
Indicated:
2.29
